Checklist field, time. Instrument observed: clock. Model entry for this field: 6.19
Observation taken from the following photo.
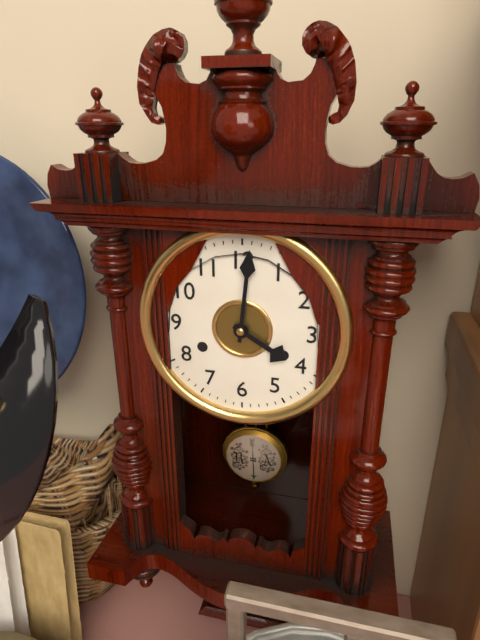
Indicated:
4.01
